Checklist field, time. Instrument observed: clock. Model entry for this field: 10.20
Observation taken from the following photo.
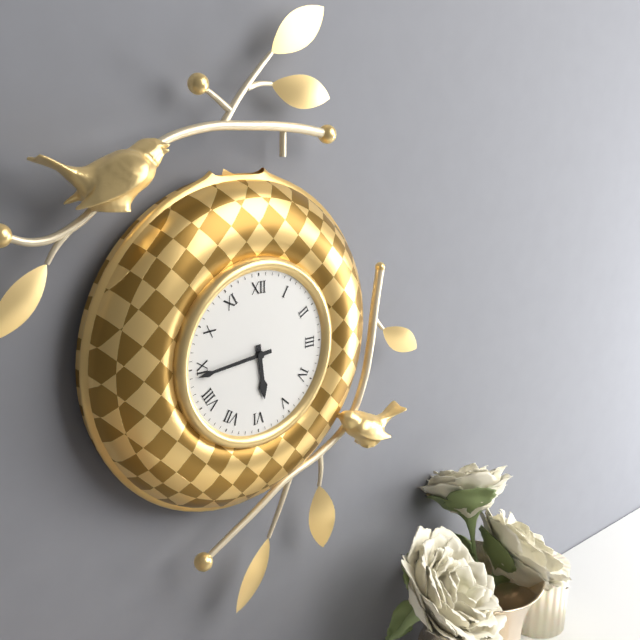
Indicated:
5.44
